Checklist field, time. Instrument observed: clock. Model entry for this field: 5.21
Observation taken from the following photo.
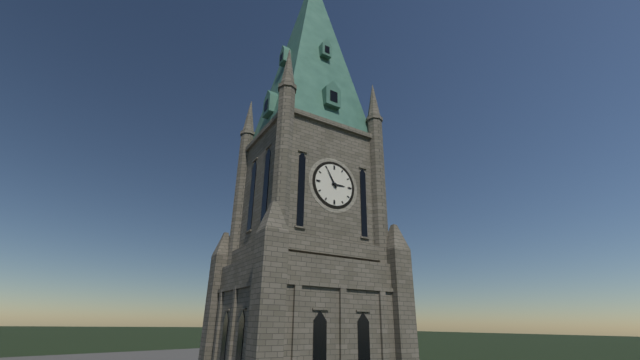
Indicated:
2.55
